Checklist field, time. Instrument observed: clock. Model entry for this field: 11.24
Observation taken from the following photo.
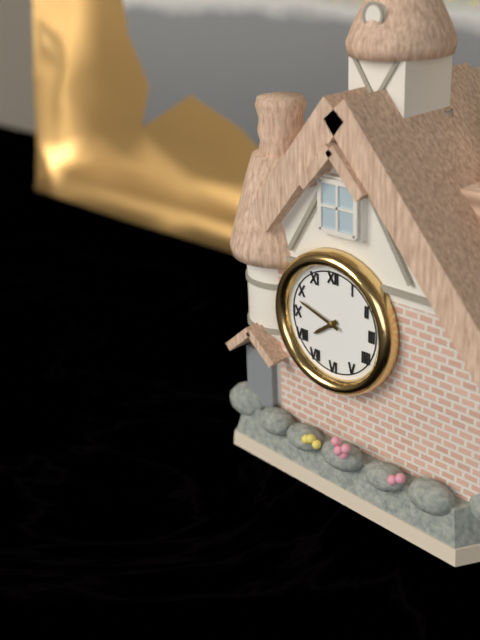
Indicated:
7.48
